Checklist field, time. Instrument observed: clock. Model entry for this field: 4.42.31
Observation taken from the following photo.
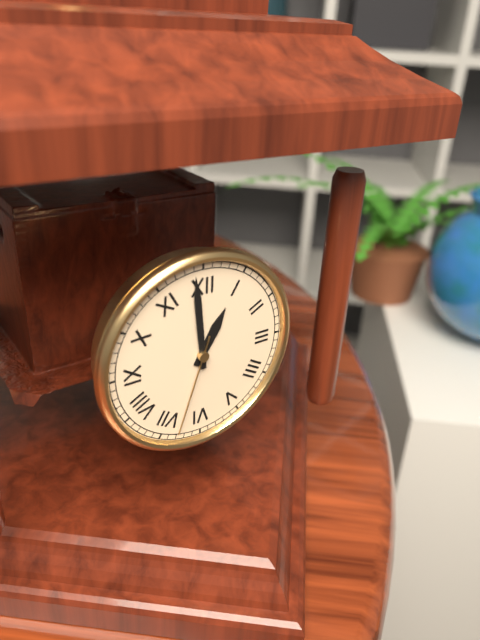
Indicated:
12.59.33
